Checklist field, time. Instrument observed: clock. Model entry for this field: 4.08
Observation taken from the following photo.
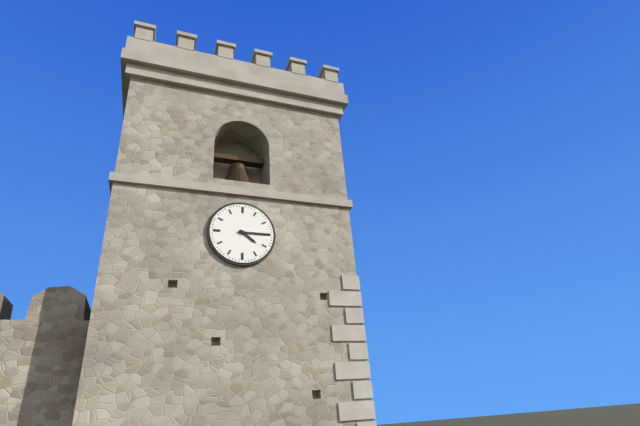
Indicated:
4.15
